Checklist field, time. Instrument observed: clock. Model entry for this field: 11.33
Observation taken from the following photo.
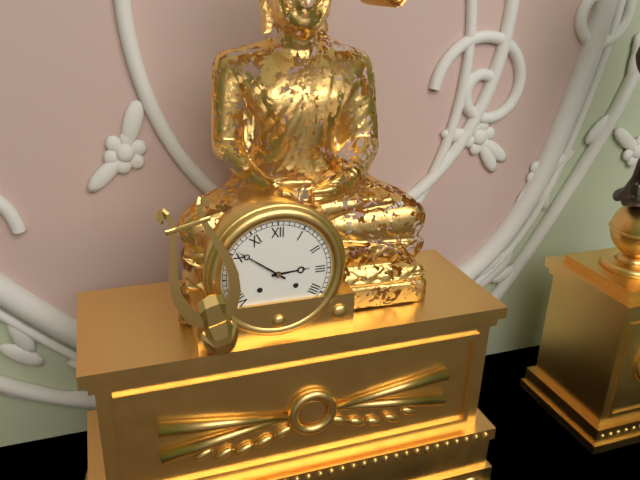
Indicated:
2.51
